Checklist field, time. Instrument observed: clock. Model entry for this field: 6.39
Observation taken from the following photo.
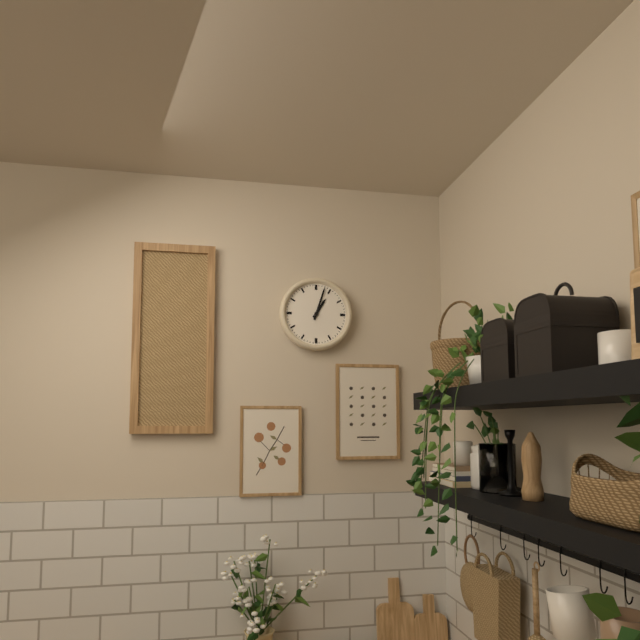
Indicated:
1.03
